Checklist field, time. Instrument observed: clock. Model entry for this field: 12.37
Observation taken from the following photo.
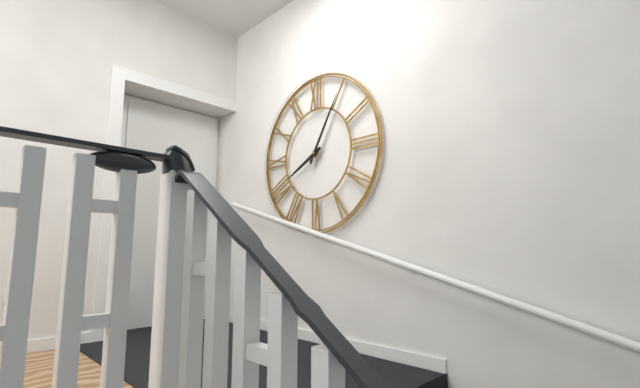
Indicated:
8.05
